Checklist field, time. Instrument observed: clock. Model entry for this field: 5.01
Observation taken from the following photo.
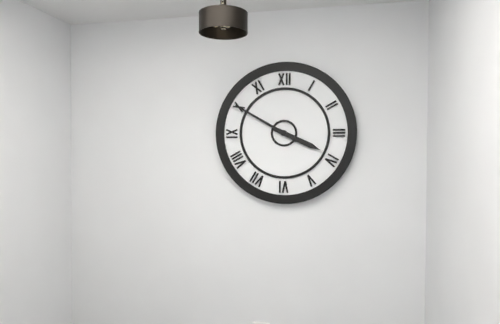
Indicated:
3.50
